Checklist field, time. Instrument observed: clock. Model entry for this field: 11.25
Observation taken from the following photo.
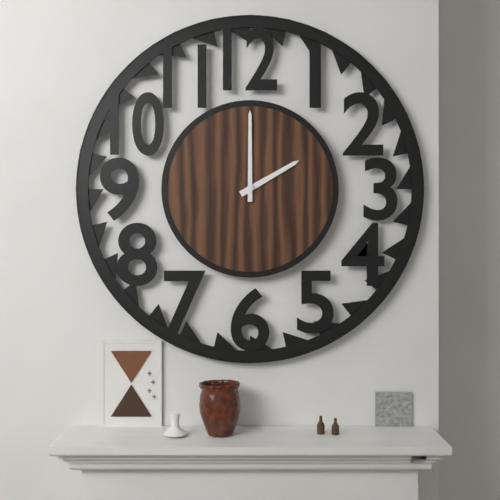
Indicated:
2.00
